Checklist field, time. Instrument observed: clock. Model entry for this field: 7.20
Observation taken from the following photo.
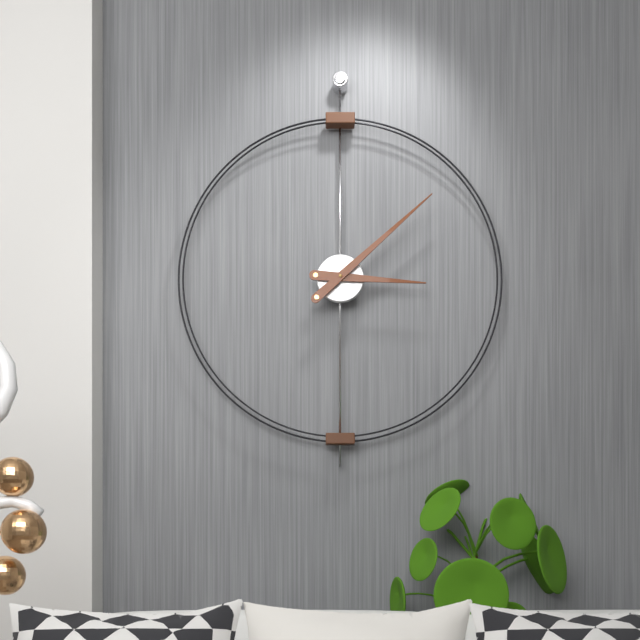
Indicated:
3.08
